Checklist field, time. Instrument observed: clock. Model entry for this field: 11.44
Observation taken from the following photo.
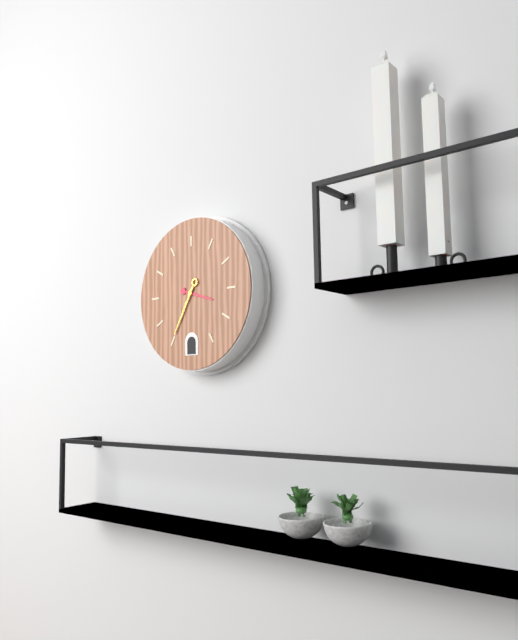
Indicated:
3.35
